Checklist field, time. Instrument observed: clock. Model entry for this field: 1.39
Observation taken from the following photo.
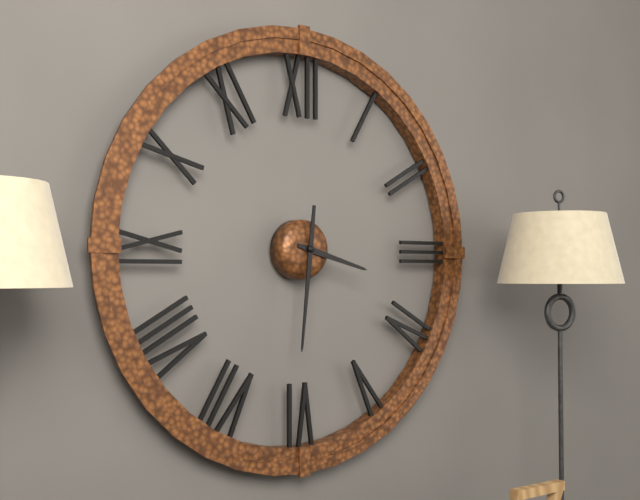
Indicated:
3.31
